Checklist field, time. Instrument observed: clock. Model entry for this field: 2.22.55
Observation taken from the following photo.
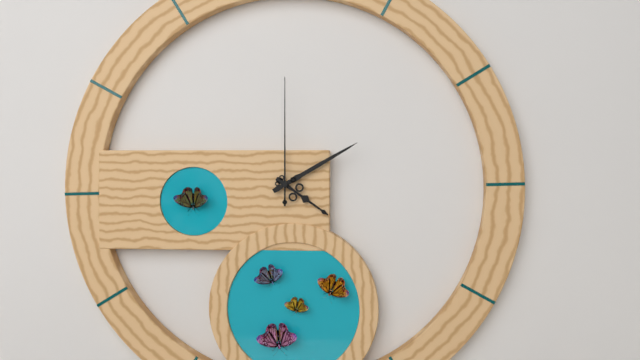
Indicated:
4.10.00
